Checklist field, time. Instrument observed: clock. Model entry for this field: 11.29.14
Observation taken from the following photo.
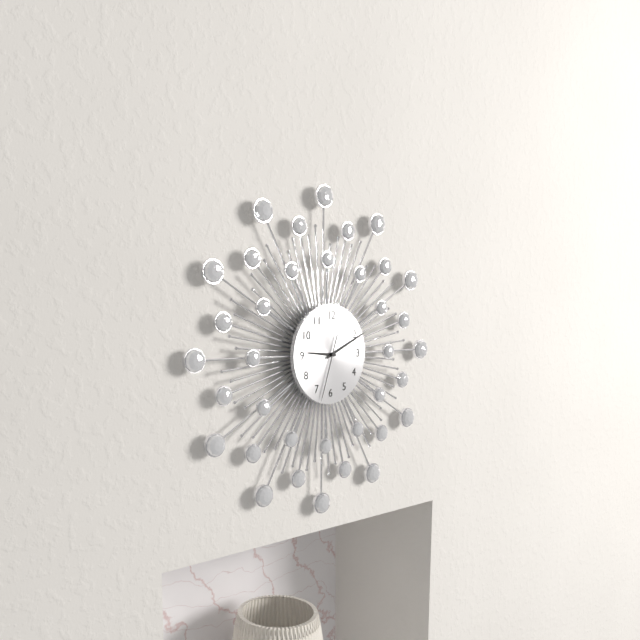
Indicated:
9.11.33
